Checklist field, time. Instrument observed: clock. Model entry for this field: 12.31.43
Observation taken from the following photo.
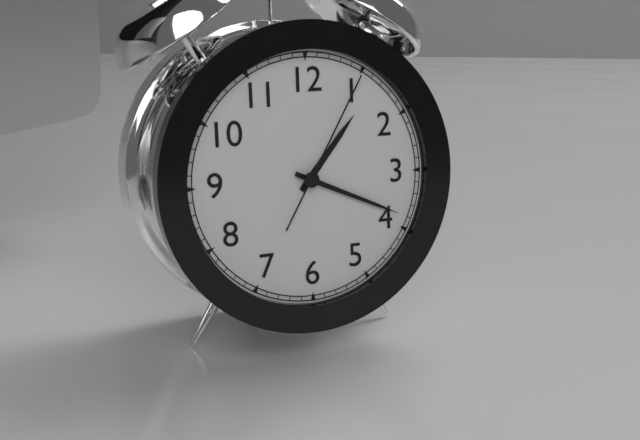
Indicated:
1.19.05
